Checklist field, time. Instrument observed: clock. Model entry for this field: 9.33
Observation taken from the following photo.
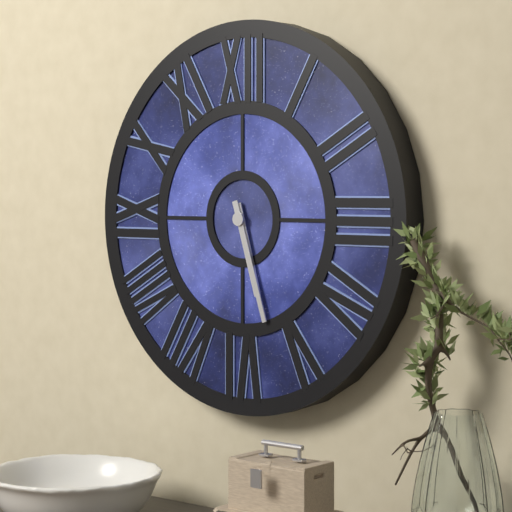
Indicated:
5.27
